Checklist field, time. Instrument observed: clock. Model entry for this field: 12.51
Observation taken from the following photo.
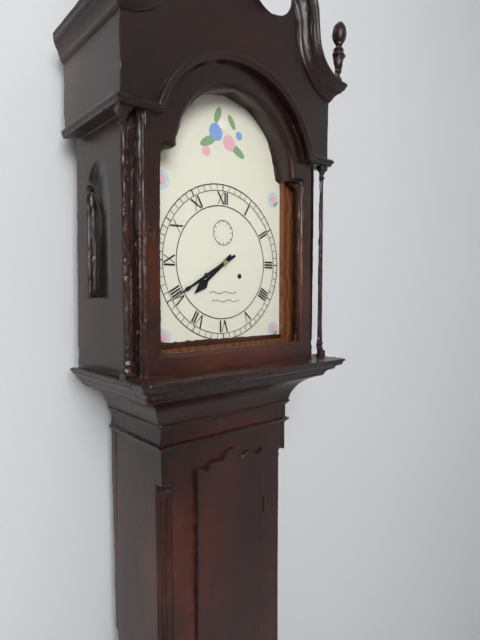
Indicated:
7.40
